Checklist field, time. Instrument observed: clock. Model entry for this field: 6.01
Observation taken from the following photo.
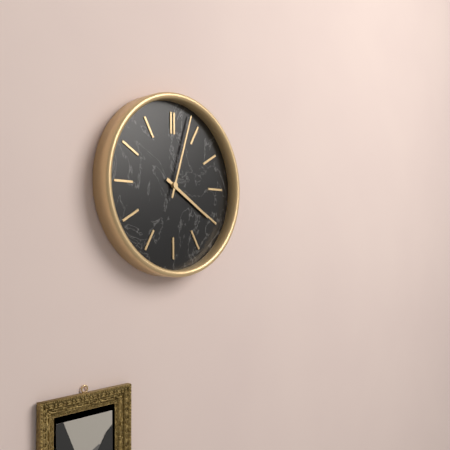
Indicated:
4.03
